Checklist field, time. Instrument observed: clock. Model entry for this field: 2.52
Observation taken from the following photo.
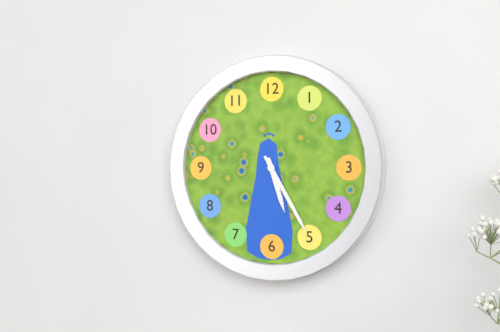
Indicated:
5.25
